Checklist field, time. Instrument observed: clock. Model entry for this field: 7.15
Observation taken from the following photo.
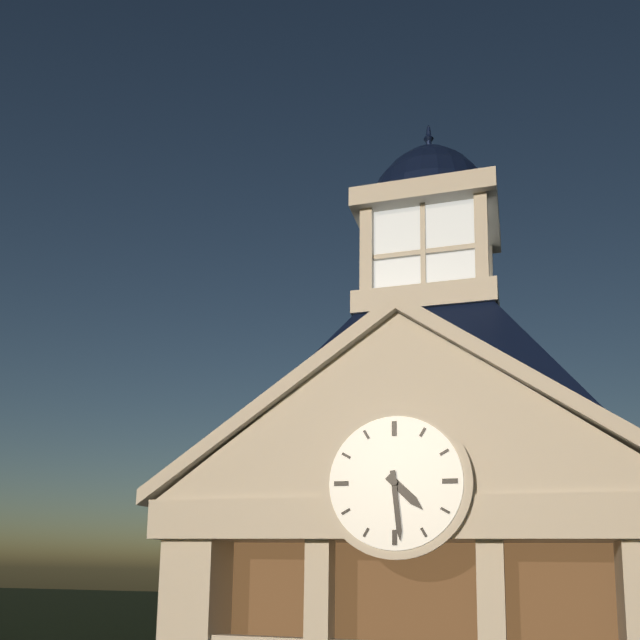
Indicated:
4.29
